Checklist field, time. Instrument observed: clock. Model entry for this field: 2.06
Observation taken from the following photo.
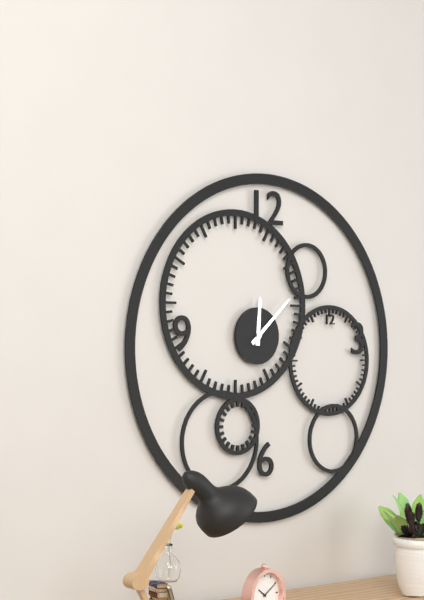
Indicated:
12.08
